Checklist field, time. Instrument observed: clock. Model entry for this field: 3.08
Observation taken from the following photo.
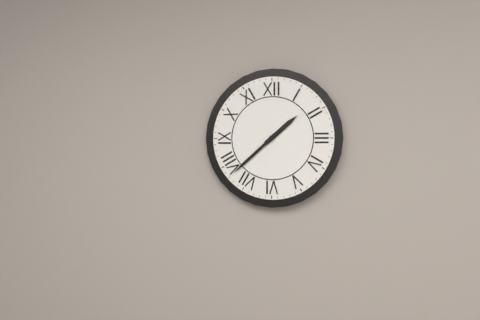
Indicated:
1.38
